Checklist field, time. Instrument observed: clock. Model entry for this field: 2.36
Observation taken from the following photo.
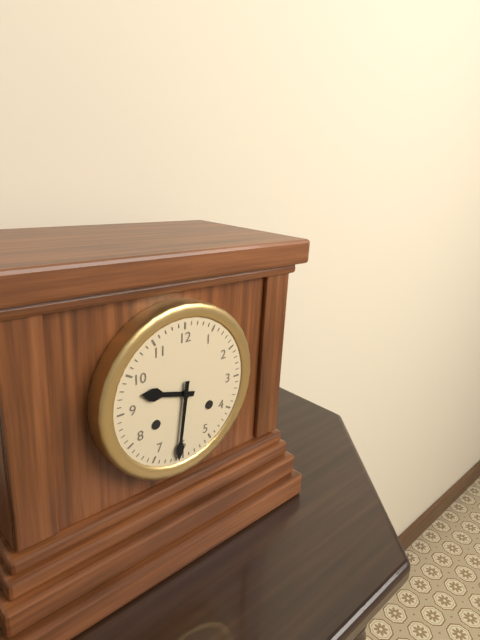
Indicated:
9.31
